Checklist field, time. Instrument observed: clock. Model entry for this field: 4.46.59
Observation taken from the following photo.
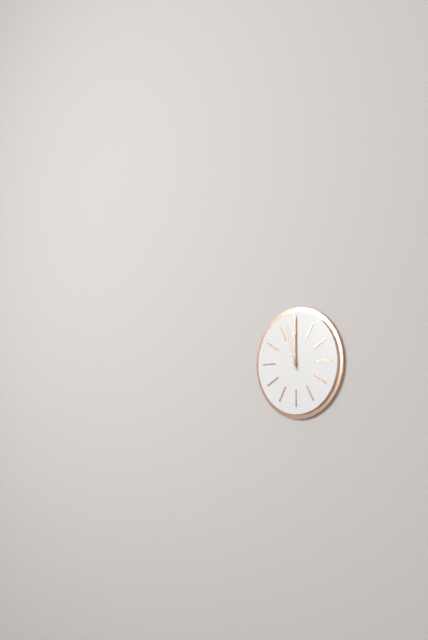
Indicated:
12.00.57
